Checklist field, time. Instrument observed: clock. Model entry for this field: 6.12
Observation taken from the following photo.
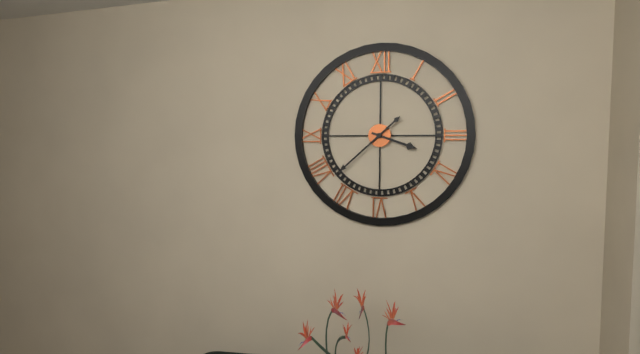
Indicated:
3.38
